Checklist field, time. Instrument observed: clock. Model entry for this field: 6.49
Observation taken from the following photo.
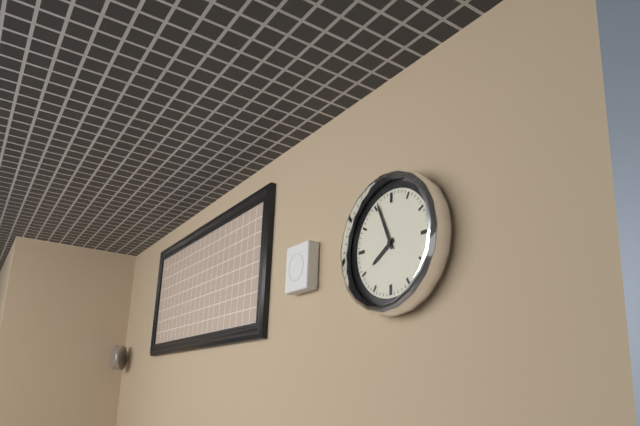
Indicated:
7.56
